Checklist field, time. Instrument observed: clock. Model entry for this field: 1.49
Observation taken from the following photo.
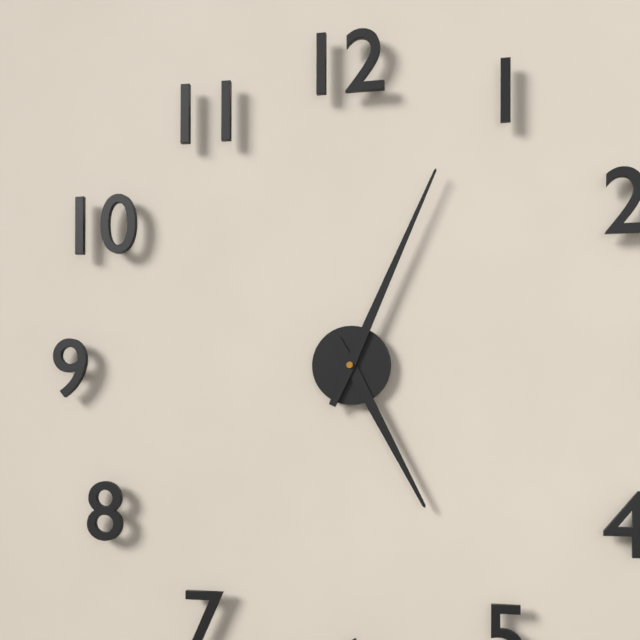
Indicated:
5.04
